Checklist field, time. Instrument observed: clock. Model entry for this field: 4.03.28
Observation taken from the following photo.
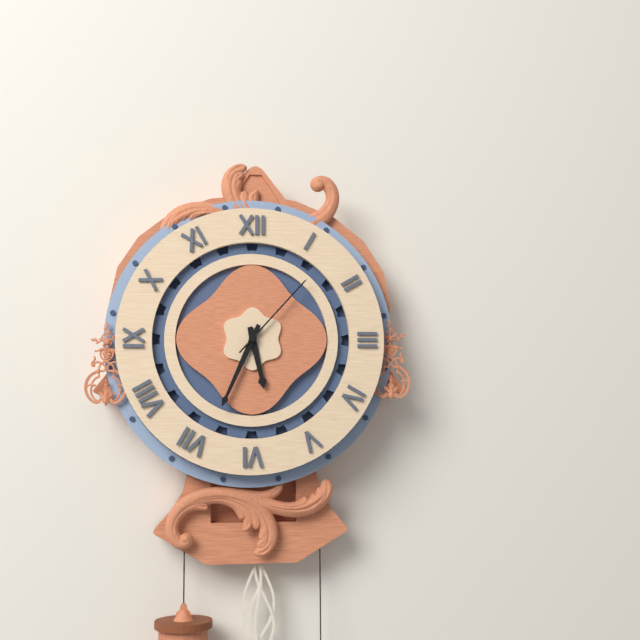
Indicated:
5.34.07
